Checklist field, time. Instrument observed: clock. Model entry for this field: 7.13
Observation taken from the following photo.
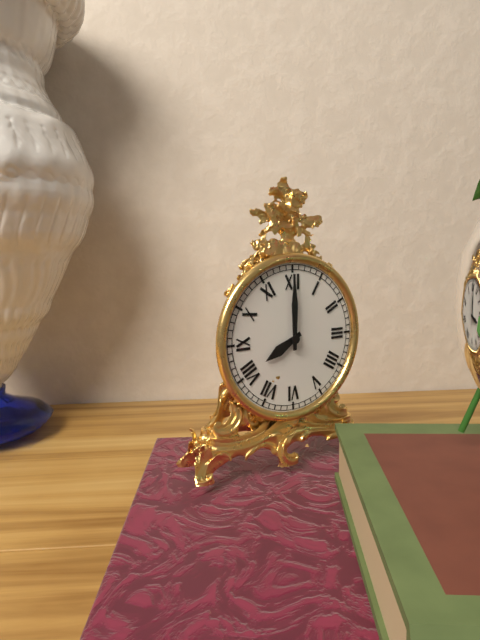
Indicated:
8.00
